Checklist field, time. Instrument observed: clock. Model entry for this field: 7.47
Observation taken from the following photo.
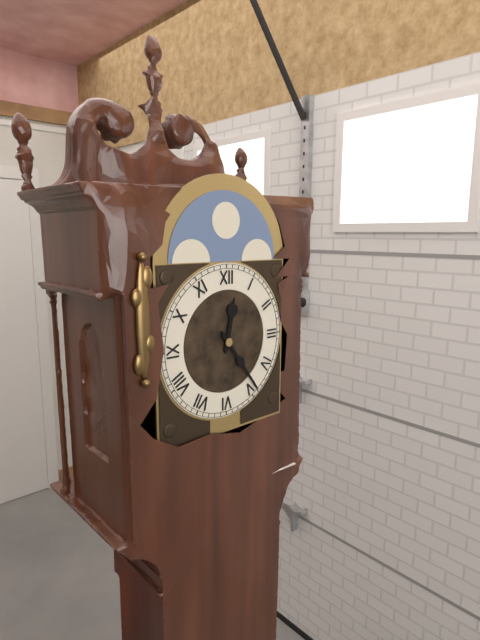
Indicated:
12.24
